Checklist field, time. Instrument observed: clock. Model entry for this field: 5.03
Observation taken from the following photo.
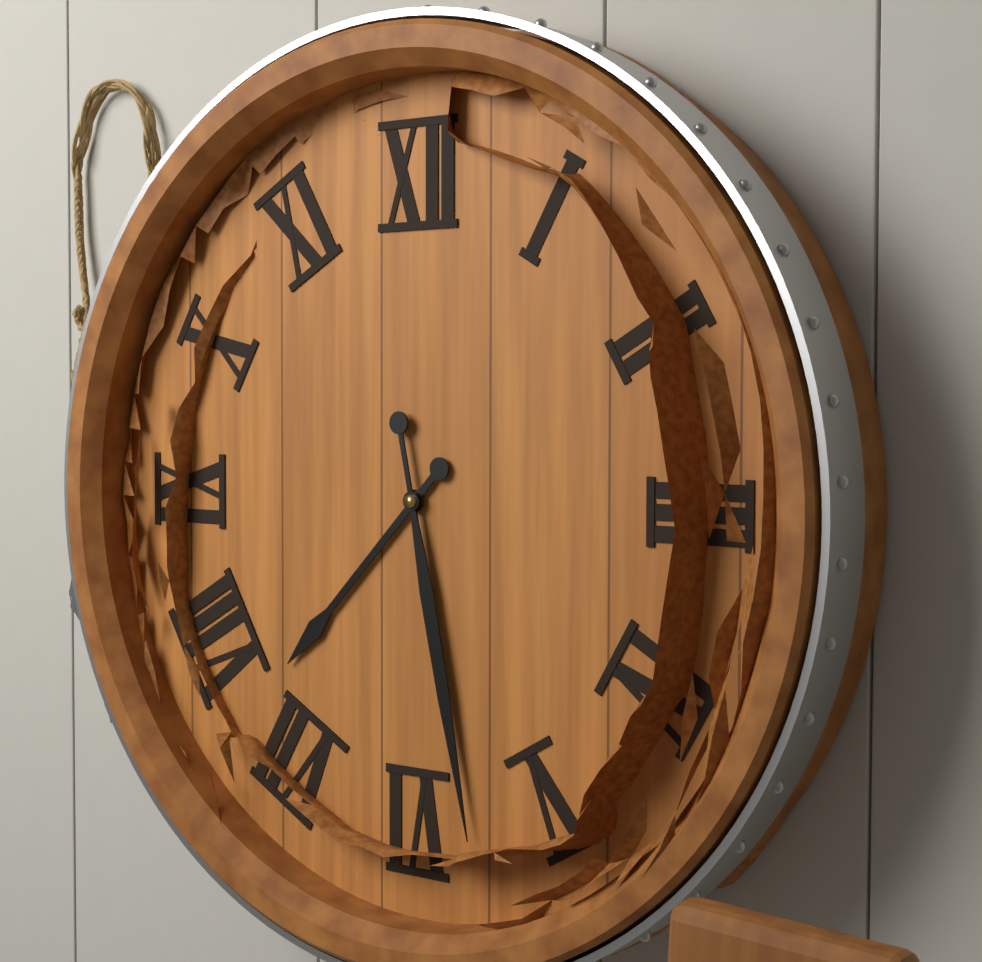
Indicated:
7.28
